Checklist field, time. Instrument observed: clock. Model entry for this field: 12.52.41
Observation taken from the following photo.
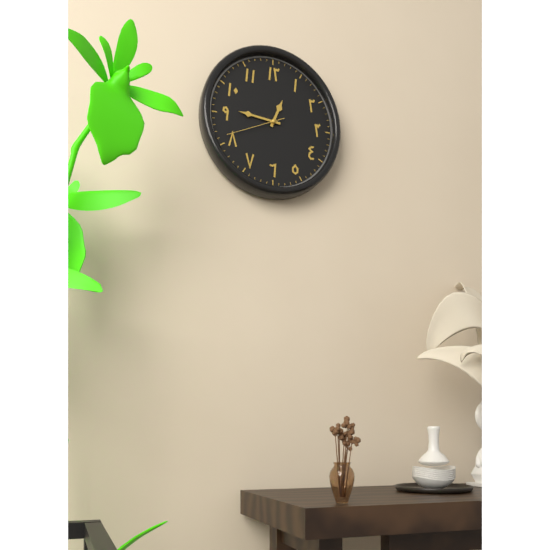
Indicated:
12.46.41
